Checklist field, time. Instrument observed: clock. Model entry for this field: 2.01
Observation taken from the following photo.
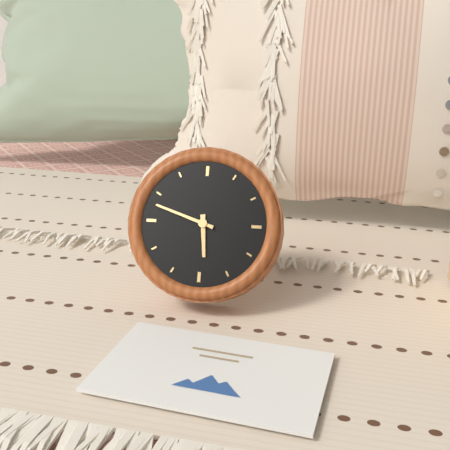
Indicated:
5.48
